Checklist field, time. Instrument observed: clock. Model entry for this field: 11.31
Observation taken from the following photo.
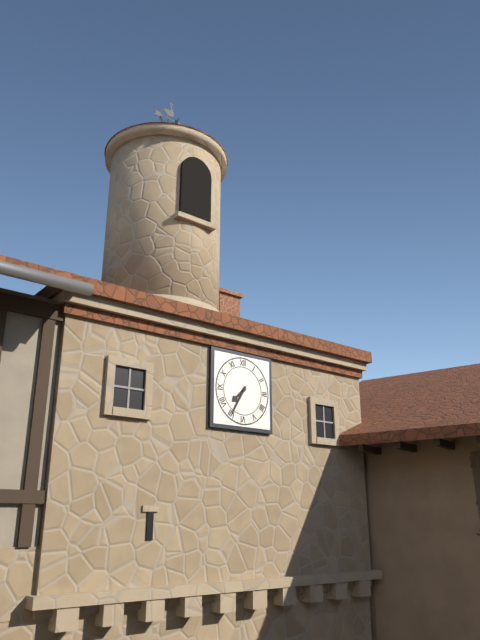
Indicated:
7.35
